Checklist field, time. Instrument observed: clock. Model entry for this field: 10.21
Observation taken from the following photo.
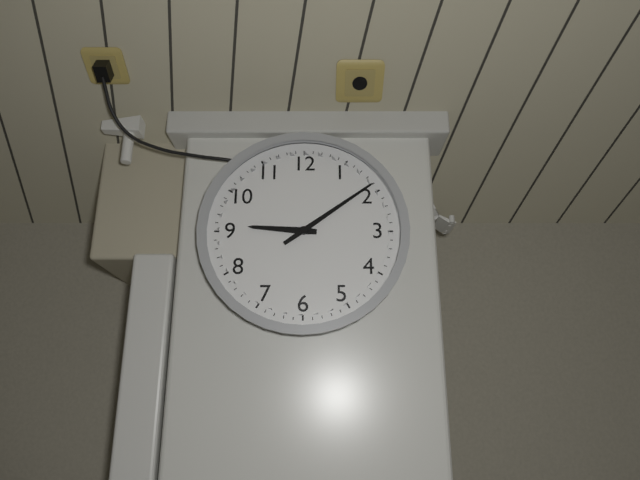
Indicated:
9.09
